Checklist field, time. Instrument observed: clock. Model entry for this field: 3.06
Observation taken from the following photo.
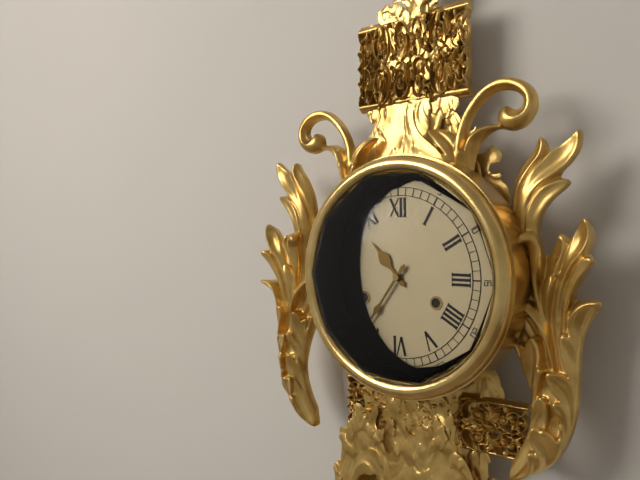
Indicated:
10.36
